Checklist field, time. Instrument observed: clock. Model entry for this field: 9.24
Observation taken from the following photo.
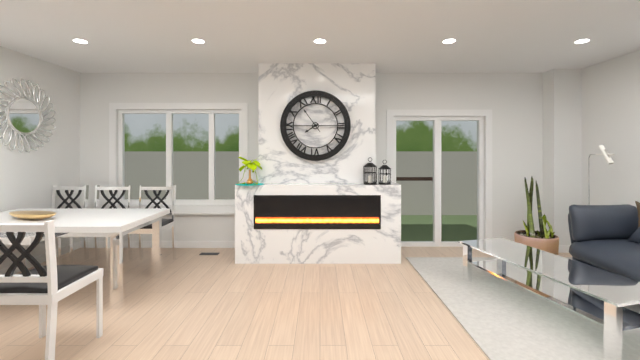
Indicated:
7.54
